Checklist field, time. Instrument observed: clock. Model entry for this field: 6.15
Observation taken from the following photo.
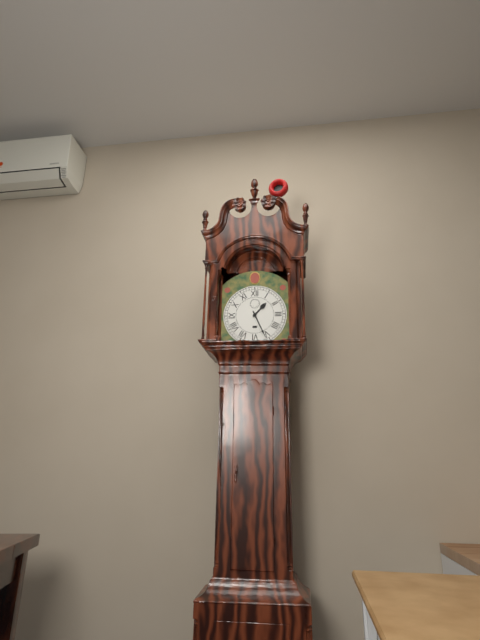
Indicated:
1.26
